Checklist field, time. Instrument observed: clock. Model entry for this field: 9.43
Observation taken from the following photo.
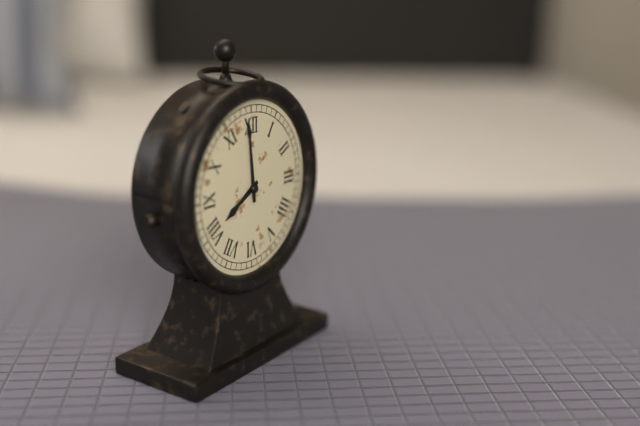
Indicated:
7.59
